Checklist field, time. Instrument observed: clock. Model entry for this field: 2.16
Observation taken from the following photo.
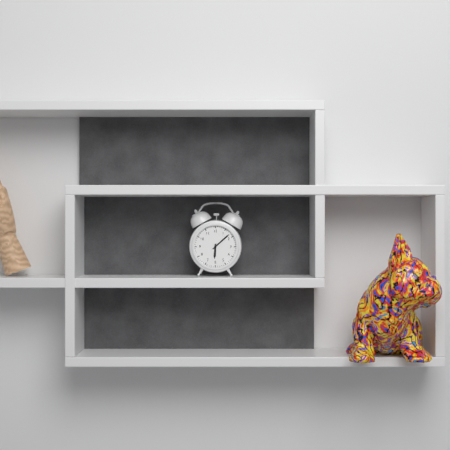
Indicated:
6.08
